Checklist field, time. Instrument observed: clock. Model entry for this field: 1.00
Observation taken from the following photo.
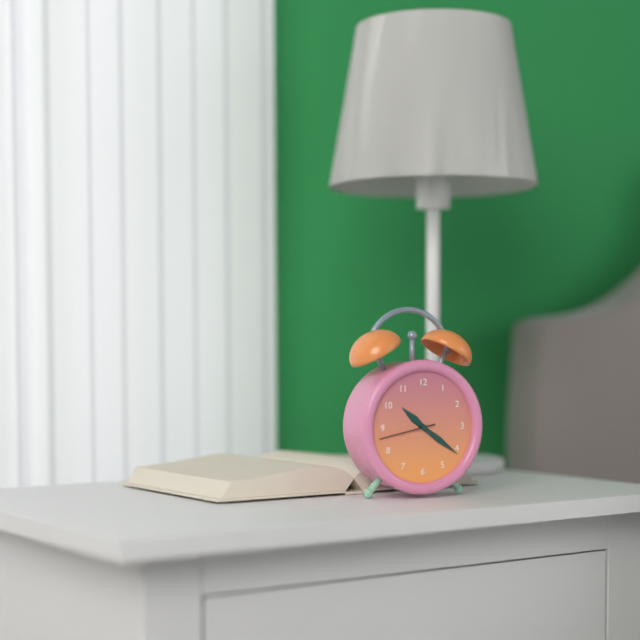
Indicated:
10.21
